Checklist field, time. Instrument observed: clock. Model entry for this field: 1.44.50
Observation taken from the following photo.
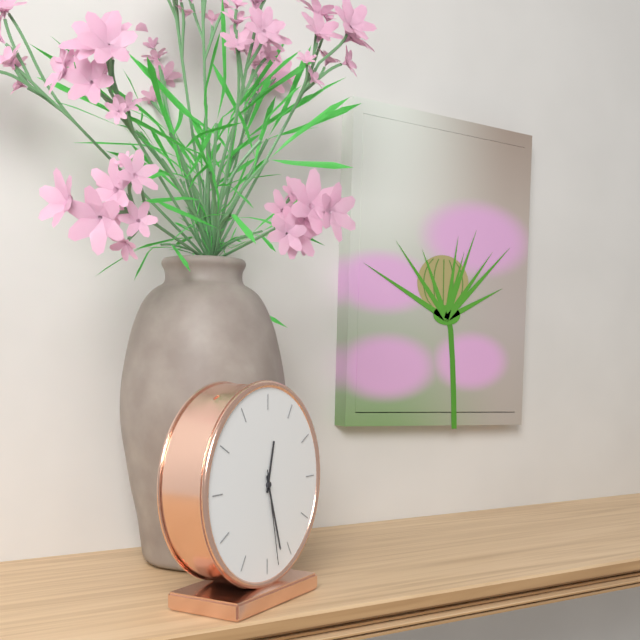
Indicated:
12.27.28
